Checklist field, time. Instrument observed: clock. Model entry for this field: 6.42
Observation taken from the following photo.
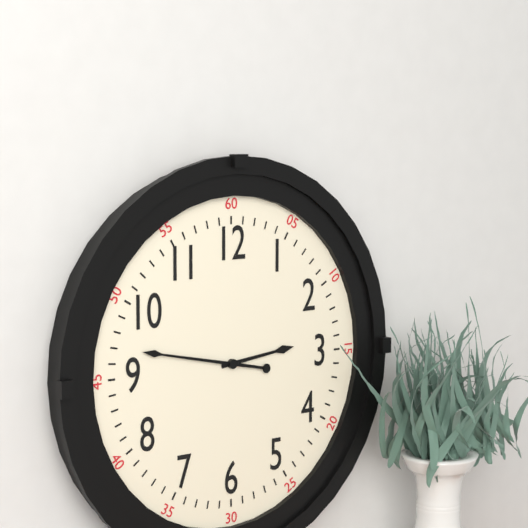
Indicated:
2.47
